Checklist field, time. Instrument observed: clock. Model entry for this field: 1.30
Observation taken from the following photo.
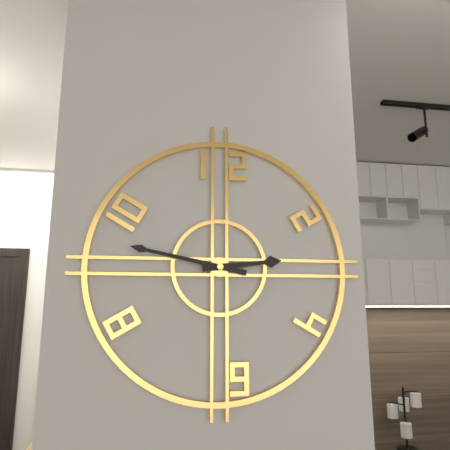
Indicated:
2.47
